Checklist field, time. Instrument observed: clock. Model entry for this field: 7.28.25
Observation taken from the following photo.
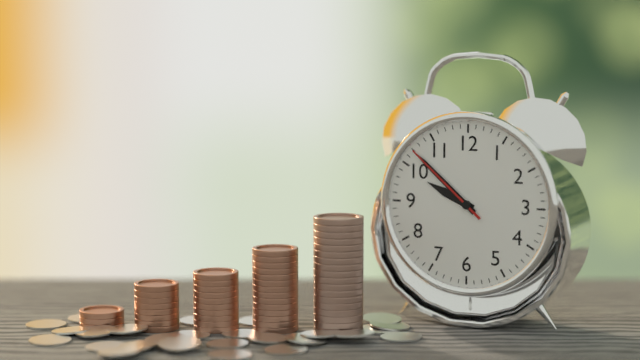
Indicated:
9.52.52
